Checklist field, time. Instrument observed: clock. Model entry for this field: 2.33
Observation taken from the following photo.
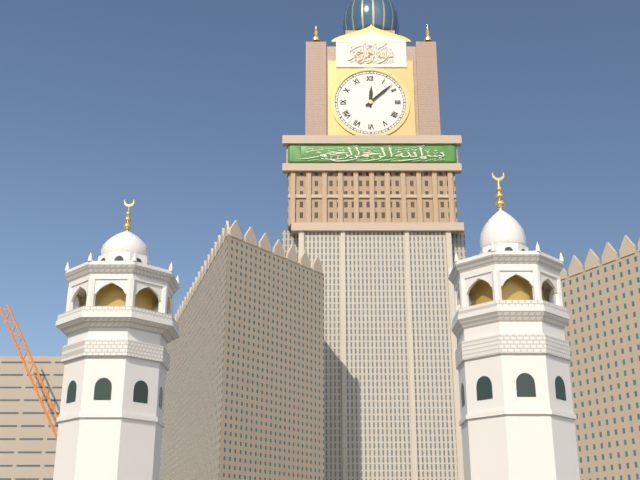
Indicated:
12.08
